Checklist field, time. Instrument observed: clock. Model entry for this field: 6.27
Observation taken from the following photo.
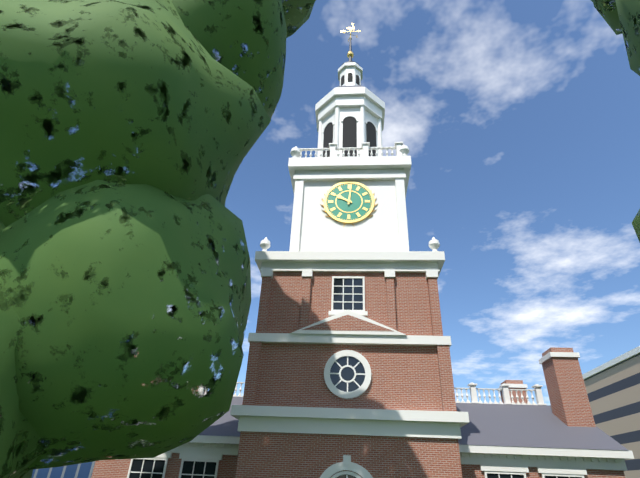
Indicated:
10.01
